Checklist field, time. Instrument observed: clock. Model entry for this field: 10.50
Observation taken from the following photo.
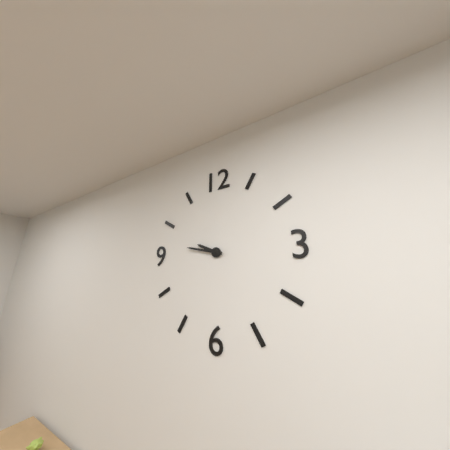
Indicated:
9.47
